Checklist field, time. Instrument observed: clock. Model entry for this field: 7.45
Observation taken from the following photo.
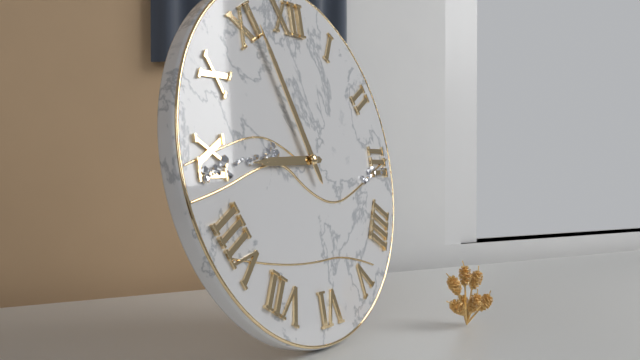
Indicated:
8.56
